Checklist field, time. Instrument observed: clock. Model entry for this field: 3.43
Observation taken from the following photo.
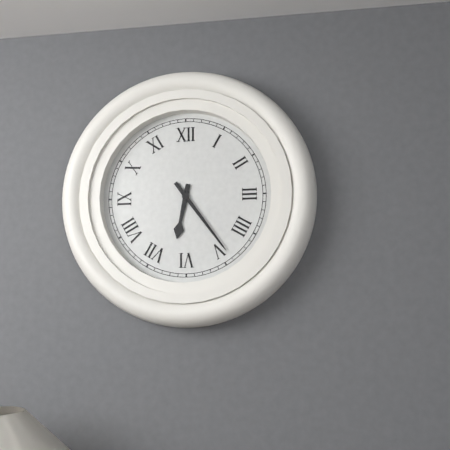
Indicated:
6.24
